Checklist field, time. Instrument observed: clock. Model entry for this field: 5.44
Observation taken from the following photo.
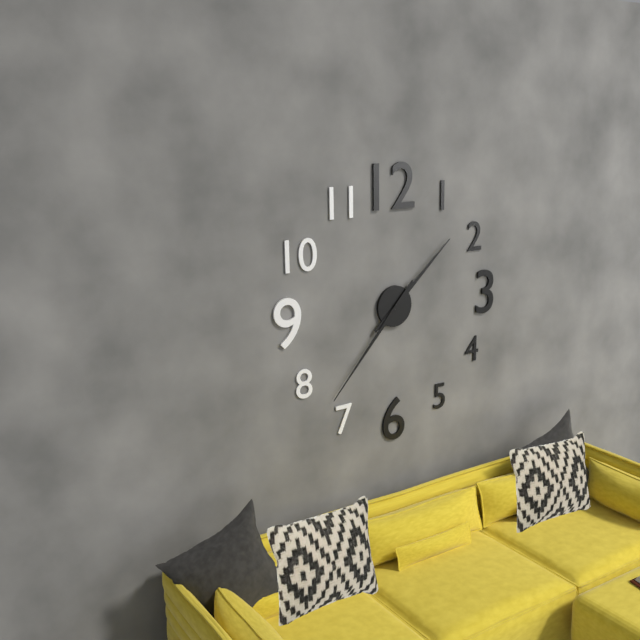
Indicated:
1.37
